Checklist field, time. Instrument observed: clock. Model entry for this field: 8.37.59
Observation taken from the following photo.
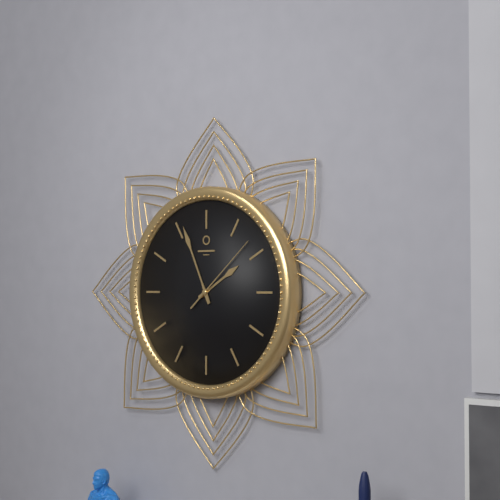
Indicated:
1.56.08
